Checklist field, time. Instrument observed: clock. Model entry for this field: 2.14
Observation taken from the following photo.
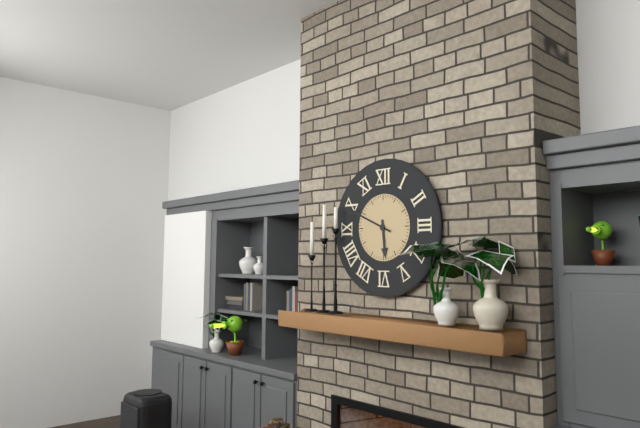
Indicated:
5.49
